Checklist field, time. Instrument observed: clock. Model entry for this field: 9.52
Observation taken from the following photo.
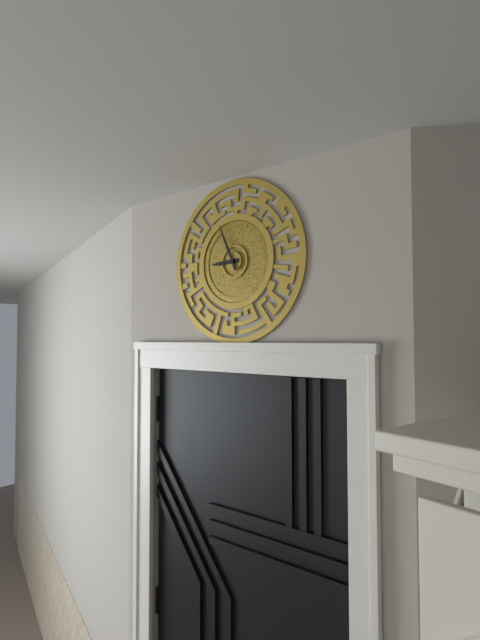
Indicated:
8.56
